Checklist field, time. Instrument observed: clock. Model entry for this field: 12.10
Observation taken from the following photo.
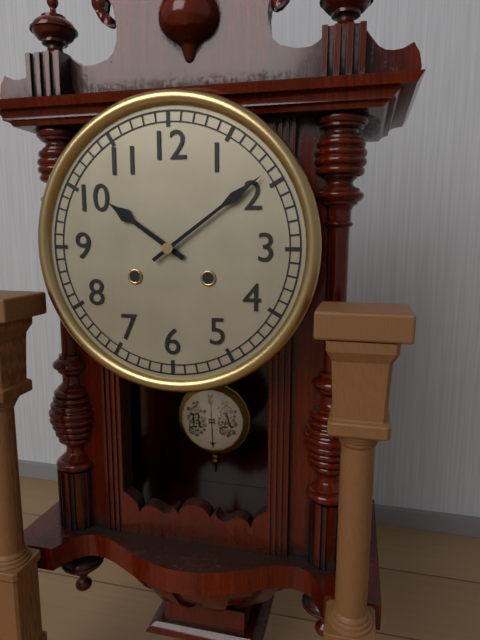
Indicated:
10.09
